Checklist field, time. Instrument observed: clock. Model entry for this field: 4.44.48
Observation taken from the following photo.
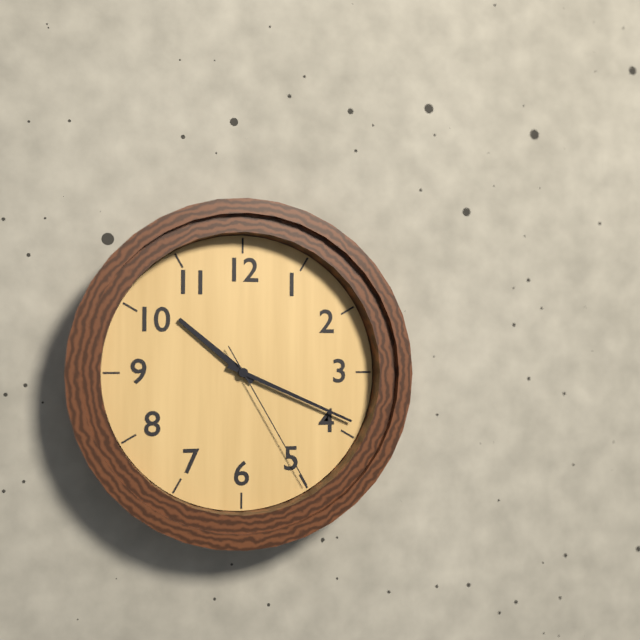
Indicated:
10.19.25
